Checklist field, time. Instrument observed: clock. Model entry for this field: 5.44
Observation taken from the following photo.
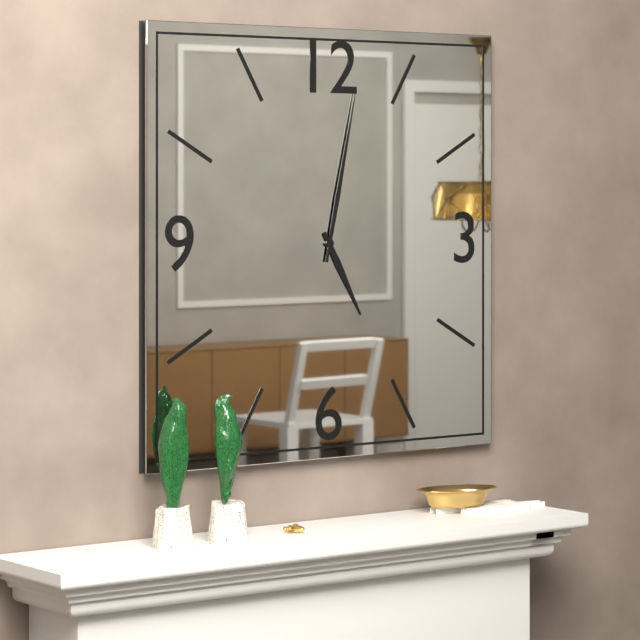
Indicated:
5.02
